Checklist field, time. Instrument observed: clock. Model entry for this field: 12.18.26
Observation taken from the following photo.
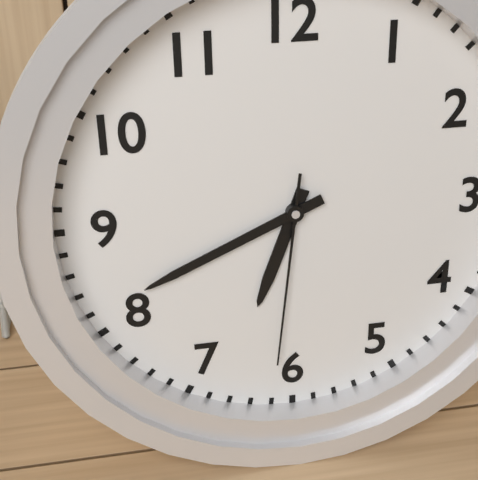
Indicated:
6.41.31
